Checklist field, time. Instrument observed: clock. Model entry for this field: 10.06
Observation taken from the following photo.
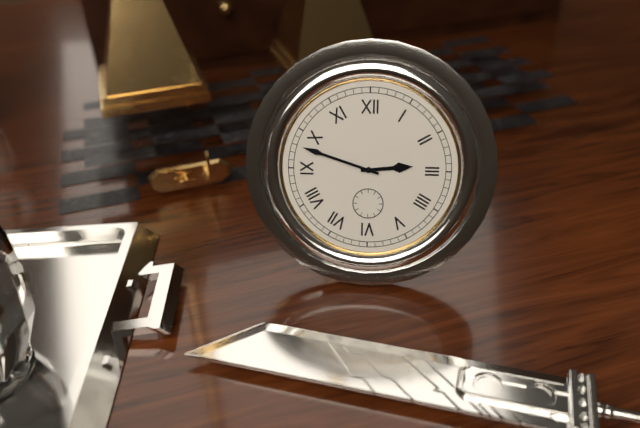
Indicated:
2.48
